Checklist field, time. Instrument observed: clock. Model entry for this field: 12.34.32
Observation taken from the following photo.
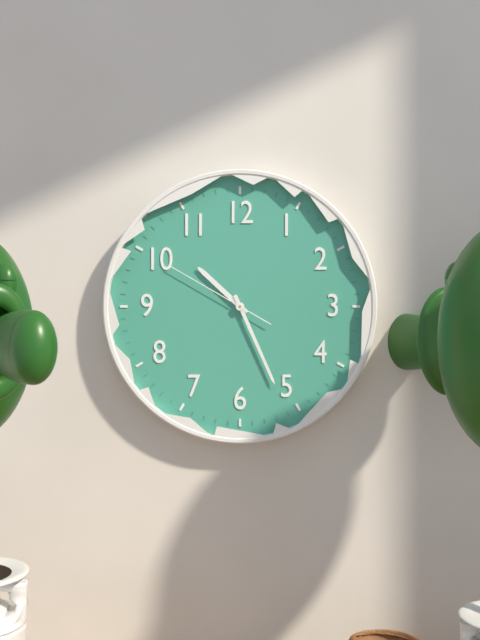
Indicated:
10.26.50
